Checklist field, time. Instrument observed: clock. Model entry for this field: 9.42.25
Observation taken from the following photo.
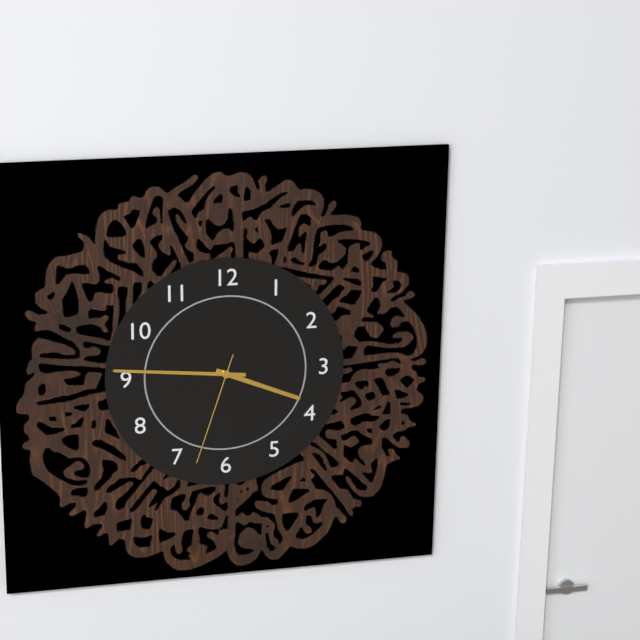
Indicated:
3.46.33
